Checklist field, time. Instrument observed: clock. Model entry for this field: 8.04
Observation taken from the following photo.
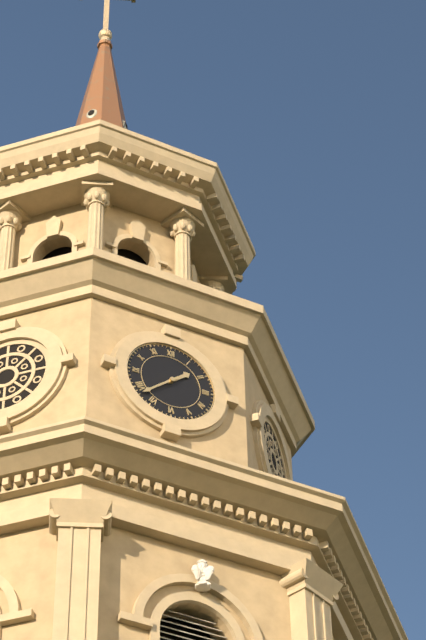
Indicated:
1.38
